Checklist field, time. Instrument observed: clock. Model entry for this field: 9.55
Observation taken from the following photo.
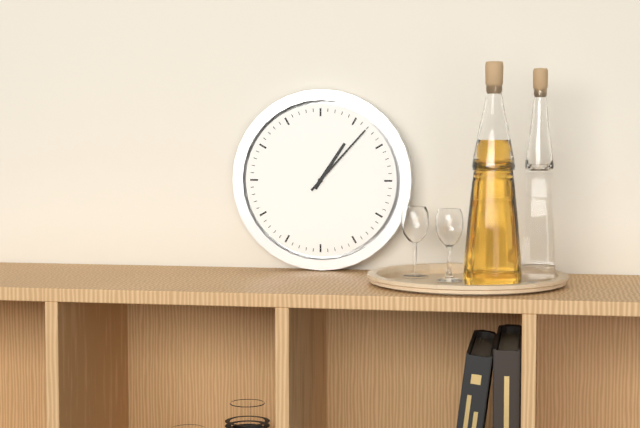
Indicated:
1.07
